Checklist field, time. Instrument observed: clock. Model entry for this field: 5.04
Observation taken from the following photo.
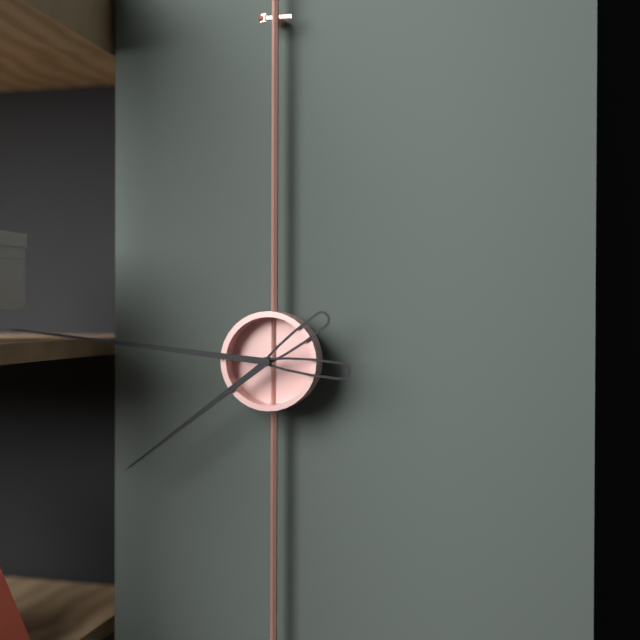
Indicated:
7.46
